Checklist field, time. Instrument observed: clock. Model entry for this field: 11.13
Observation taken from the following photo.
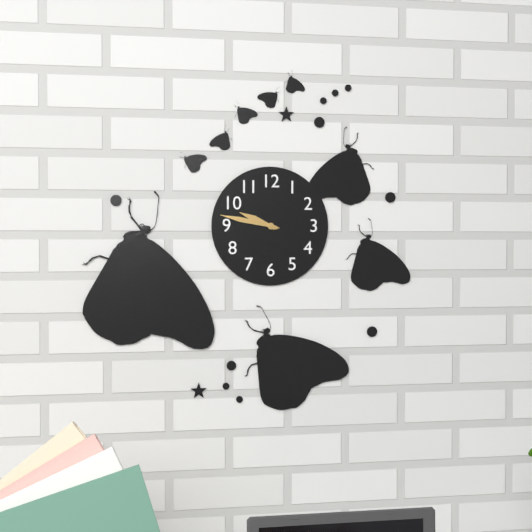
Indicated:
9.47
